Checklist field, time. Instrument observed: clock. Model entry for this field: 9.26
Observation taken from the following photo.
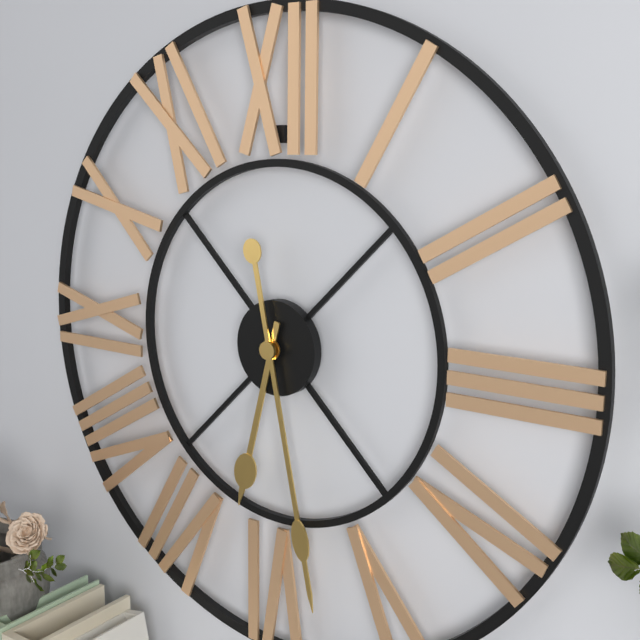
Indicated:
6.28
